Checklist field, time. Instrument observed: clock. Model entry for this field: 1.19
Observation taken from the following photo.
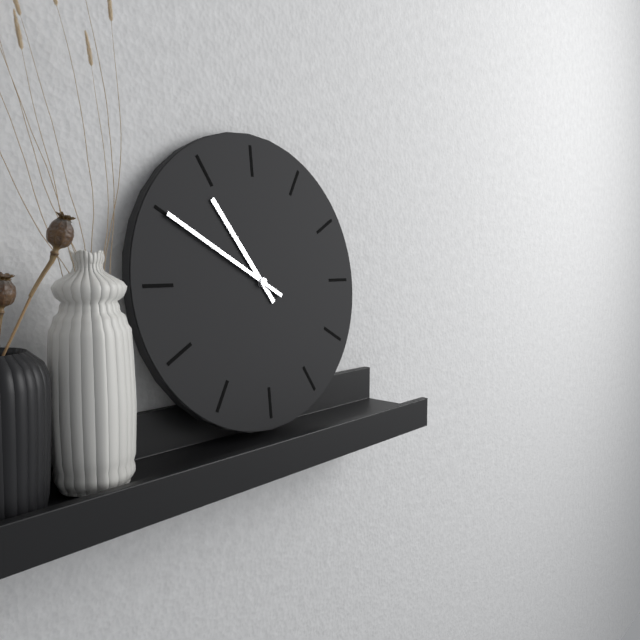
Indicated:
10.50
